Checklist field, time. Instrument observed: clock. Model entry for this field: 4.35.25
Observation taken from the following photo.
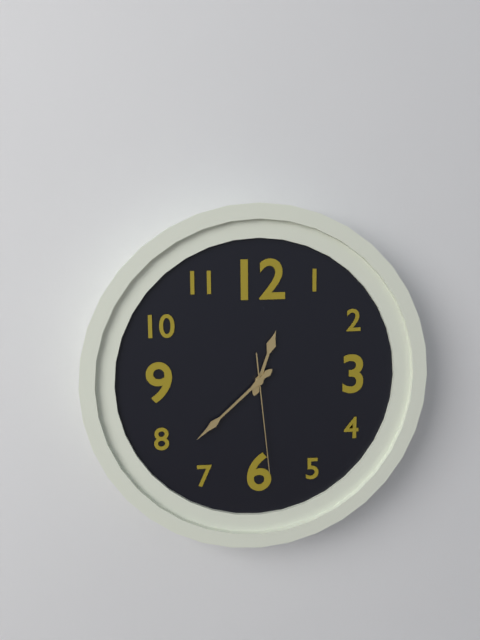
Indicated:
12.38.29
